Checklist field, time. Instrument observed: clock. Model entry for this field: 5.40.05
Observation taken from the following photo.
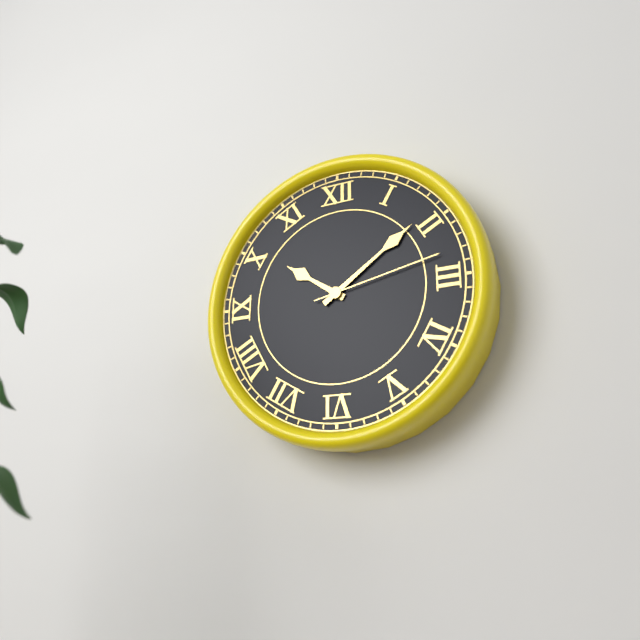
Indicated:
10.09.13
